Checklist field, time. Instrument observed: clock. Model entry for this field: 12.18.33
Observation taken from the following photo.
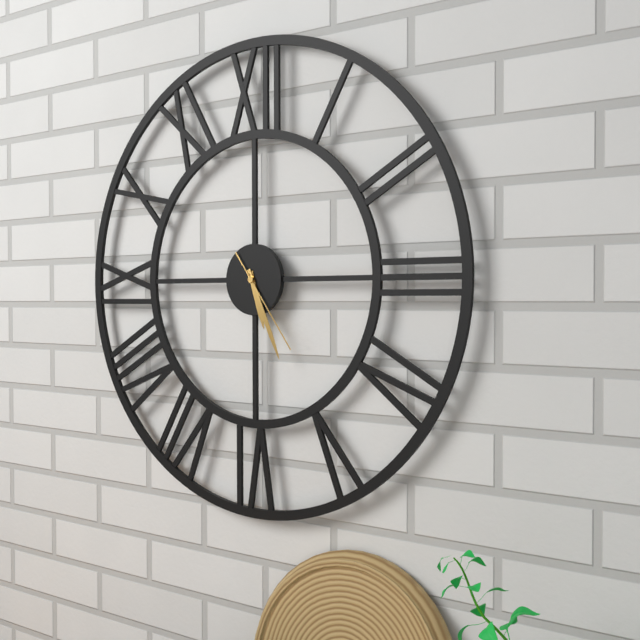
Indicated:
5.26.24
